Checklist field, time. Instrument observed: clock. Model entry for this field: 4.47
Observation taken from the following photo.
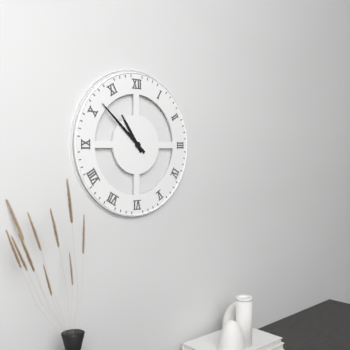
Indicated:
10.52
